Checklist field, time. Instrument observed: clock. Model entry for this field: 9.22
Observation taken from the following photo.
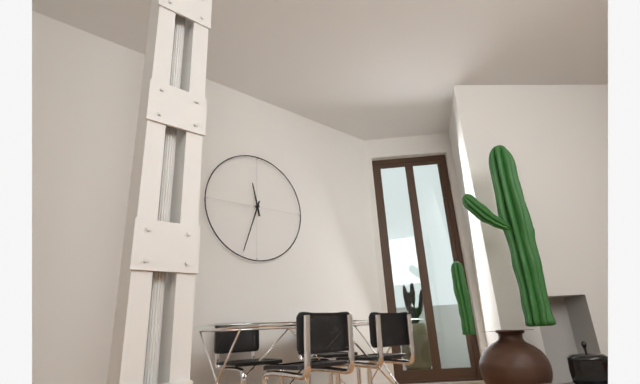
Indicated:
11.33
